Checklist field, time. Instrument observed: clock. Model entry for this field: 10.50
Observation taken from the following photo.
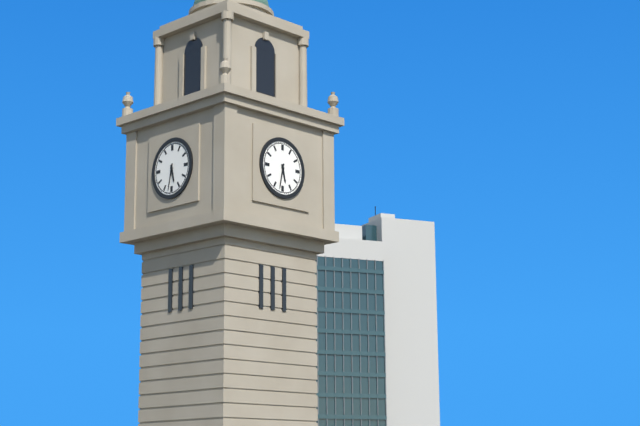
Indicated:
5.32
